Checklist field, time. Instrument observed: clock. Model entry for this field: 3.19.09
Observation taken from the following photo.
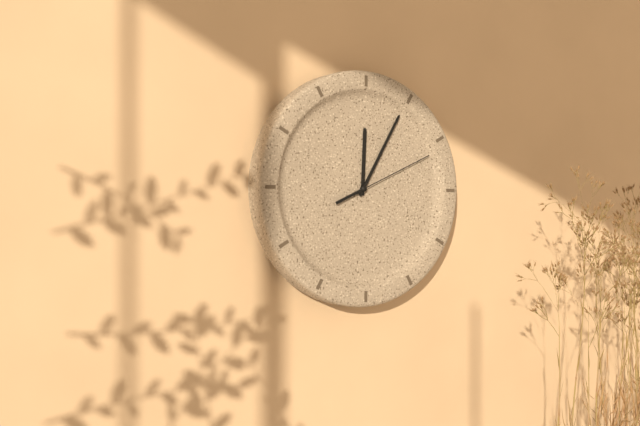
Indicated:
12.05.11
